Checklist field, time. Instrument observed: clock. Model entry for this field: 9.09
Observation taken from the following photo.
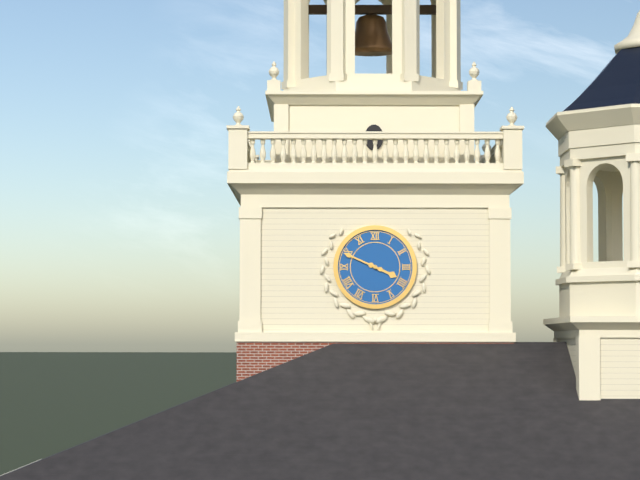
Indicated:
3.49
